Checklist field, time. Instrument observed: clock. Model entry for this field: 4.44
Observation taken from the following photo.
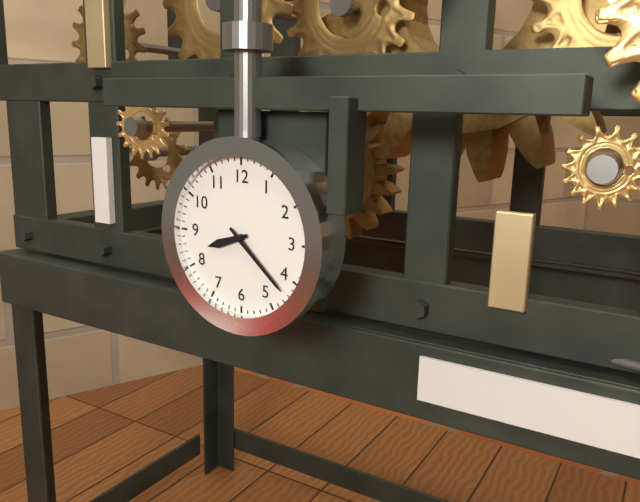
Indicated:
8.22
